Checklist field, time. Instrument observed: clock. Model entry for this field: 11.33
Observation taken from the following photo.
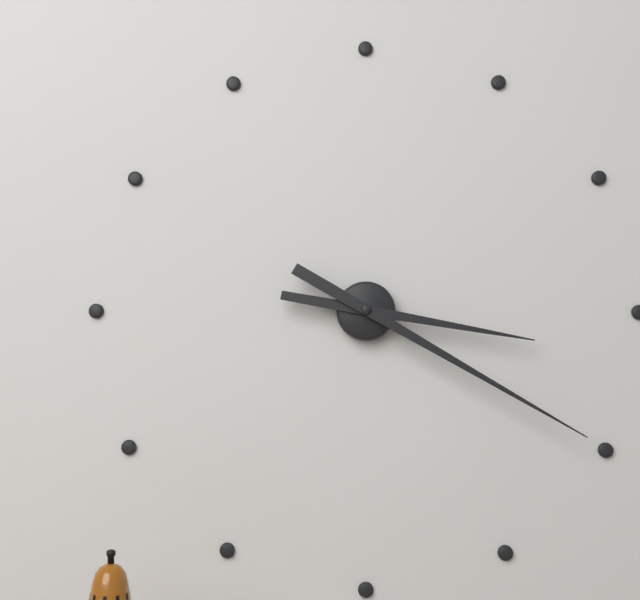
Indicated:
3.20
